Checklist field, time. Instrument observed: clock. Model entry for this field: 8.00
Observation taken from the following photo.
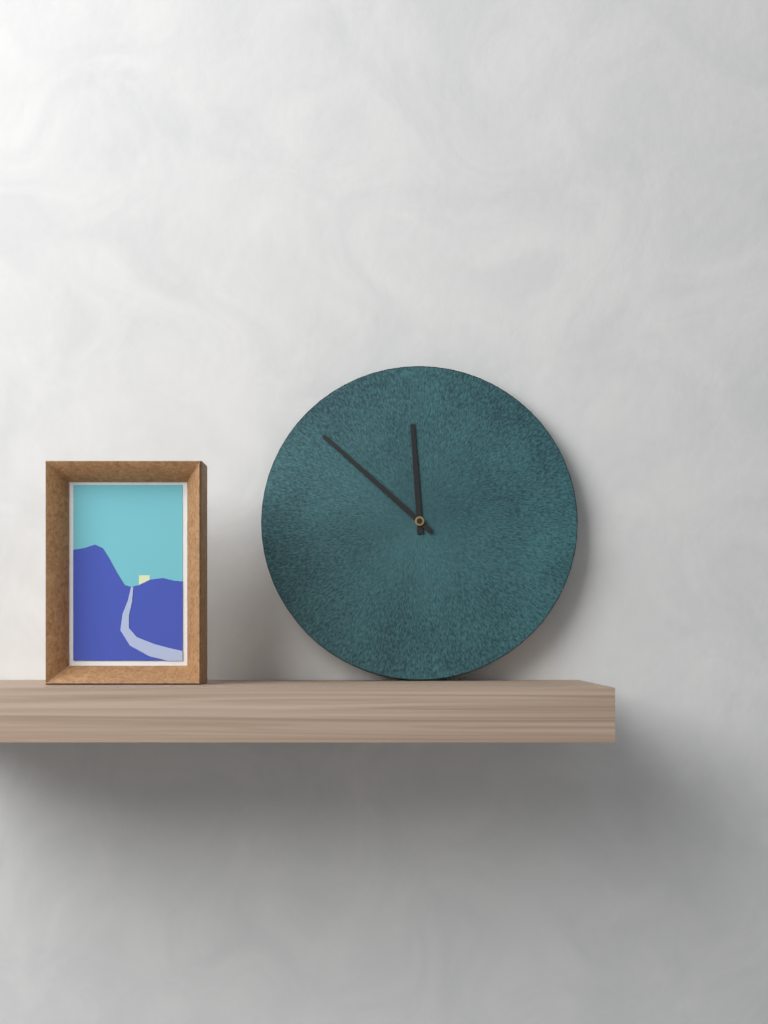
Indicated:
11.52
